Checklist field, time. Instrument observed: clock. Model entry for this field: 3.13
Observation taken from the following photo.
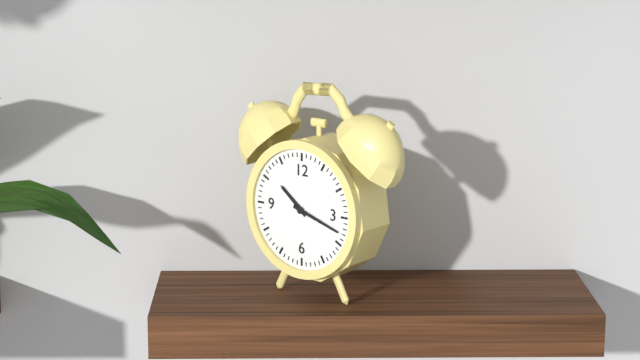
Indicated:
10.18
